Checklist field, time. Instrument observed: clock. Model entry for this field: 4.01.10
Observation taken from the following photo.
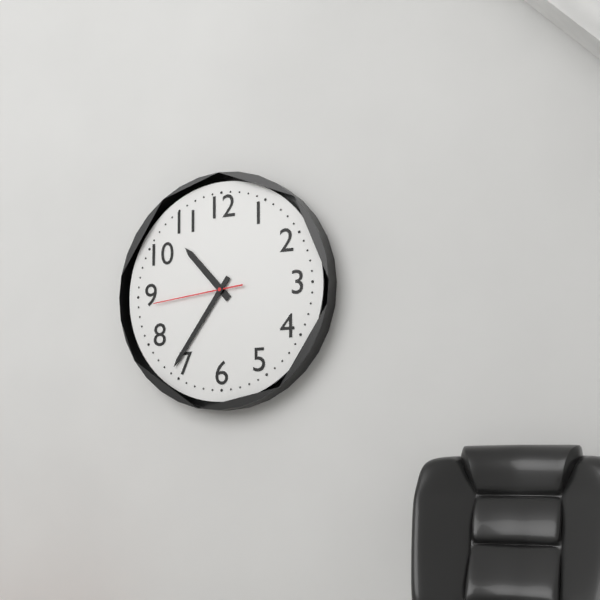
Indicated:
10.36.44
